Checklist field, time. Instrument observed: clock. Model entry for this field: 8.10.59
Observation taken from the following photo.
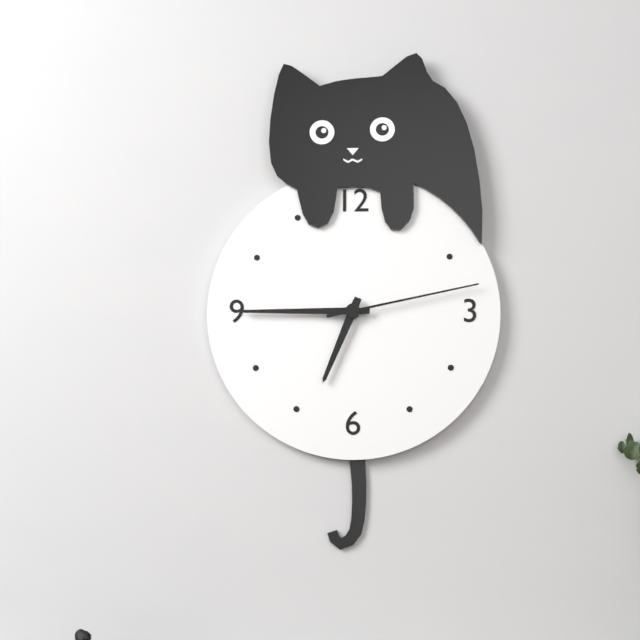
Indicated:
6.45.13
